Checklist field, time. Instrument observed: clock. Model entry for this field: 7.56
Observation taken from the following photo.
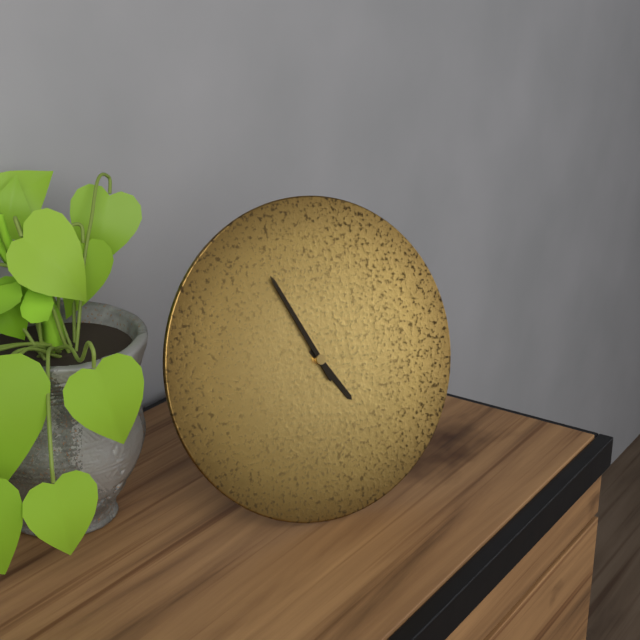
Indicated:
4.56
